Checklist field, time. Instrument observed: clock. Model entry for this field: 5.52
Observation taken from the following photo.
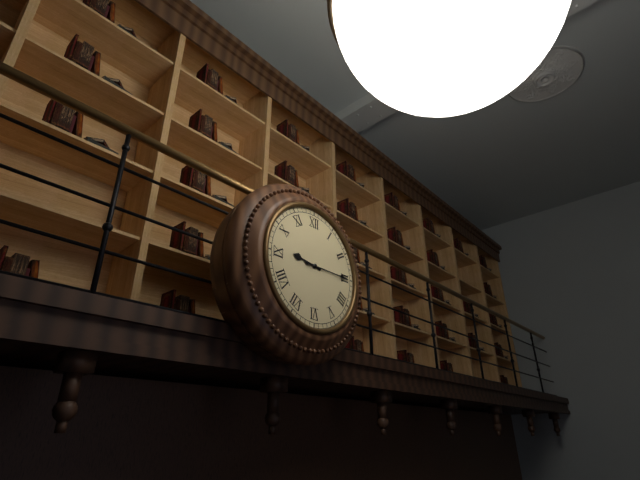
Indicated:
9.15
